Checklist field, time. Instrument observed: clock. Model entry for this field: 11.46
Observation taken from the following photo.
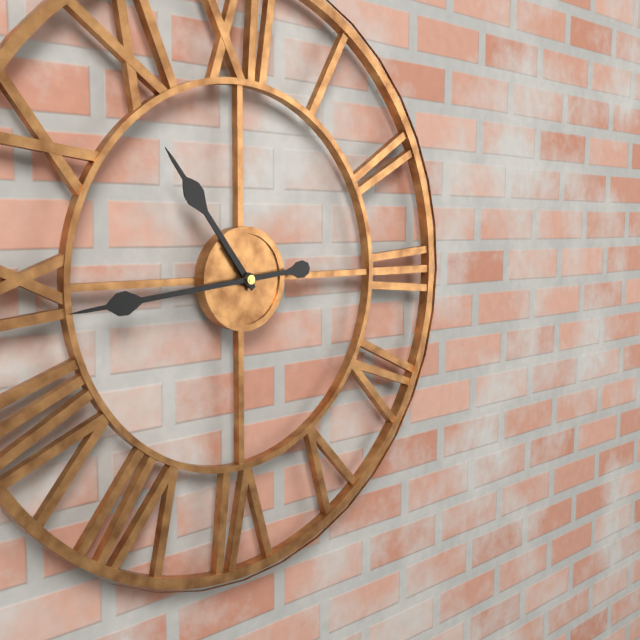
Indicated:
10.44
